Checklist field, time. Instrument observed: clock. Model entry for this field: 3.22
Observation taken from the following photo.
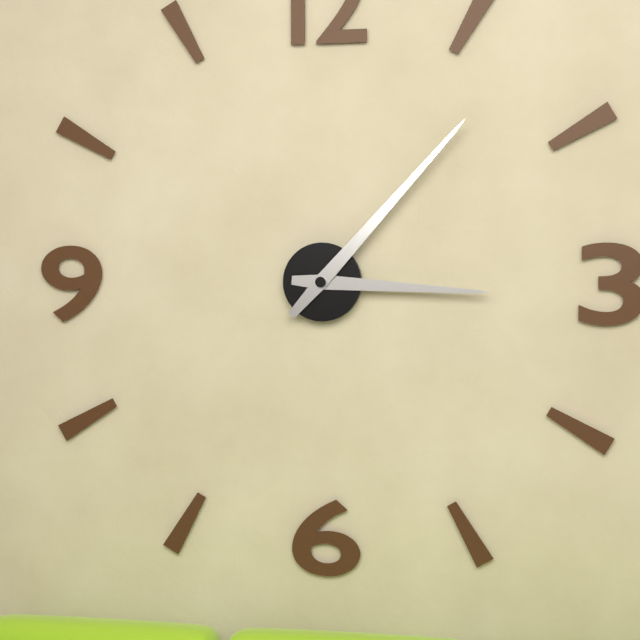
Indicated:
3.07
